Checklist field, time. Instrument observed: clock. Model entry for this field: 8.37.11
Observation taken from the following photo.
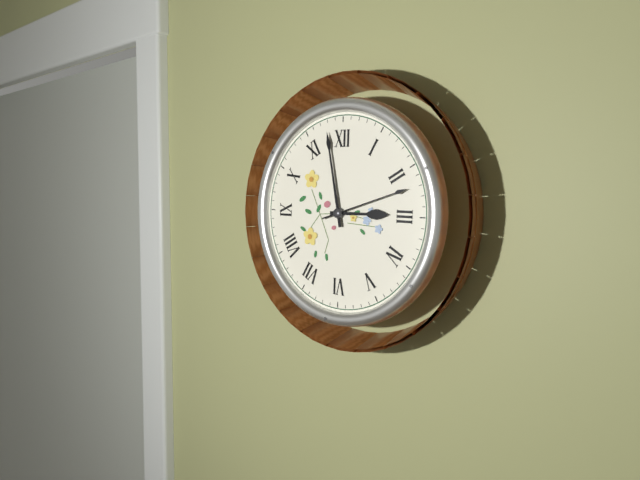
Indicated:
2.58.12
